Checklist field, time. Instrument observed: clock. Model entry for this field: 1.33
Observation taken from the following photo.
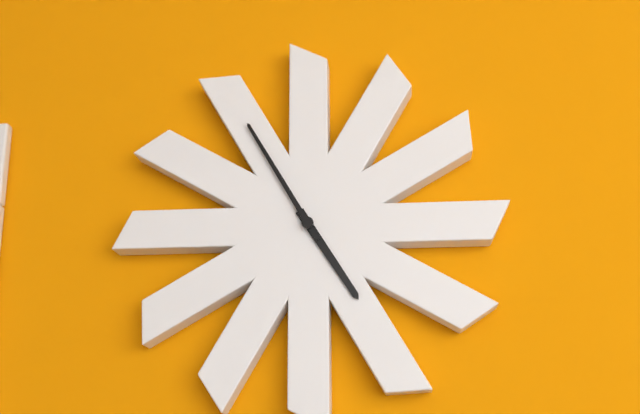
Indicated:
4.55
